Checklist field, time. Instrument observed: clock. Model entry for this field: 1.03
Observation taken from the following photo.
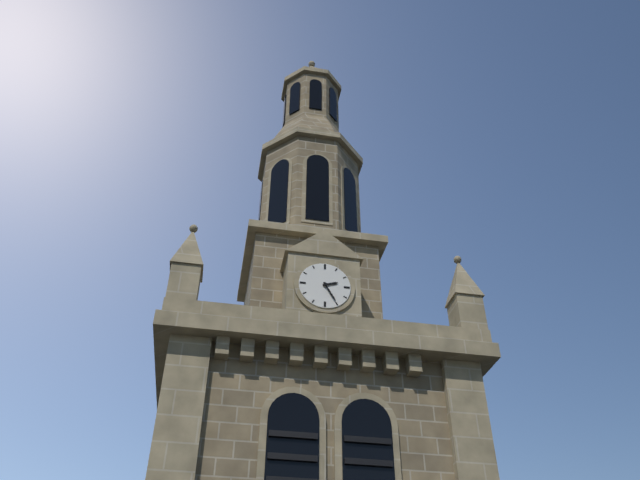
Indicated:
2.25
